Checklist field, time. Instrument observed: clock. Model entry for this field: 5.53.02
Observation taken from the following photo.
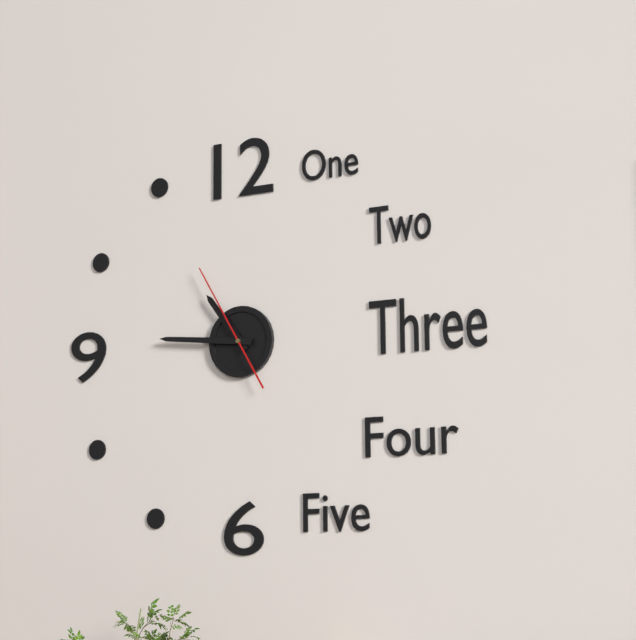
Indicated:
10.46.55
